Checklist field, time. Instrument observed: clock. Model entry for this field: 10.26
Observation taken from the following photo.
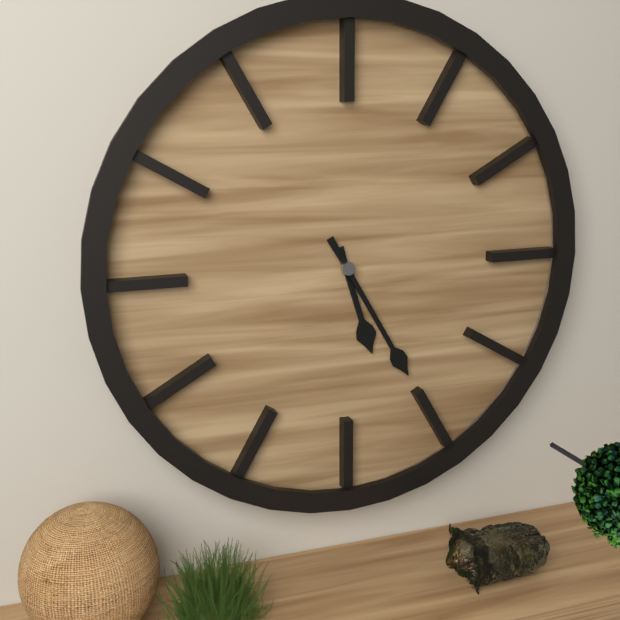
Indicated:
5.25
